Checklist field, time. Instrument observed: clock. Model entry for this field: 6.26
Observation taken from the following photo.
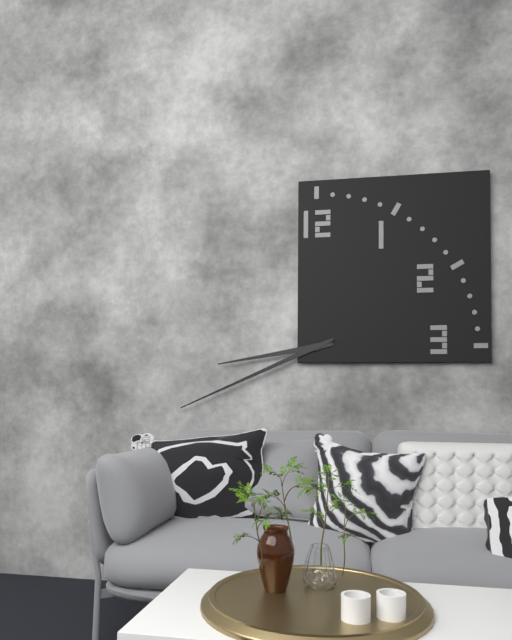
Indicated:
8.41
